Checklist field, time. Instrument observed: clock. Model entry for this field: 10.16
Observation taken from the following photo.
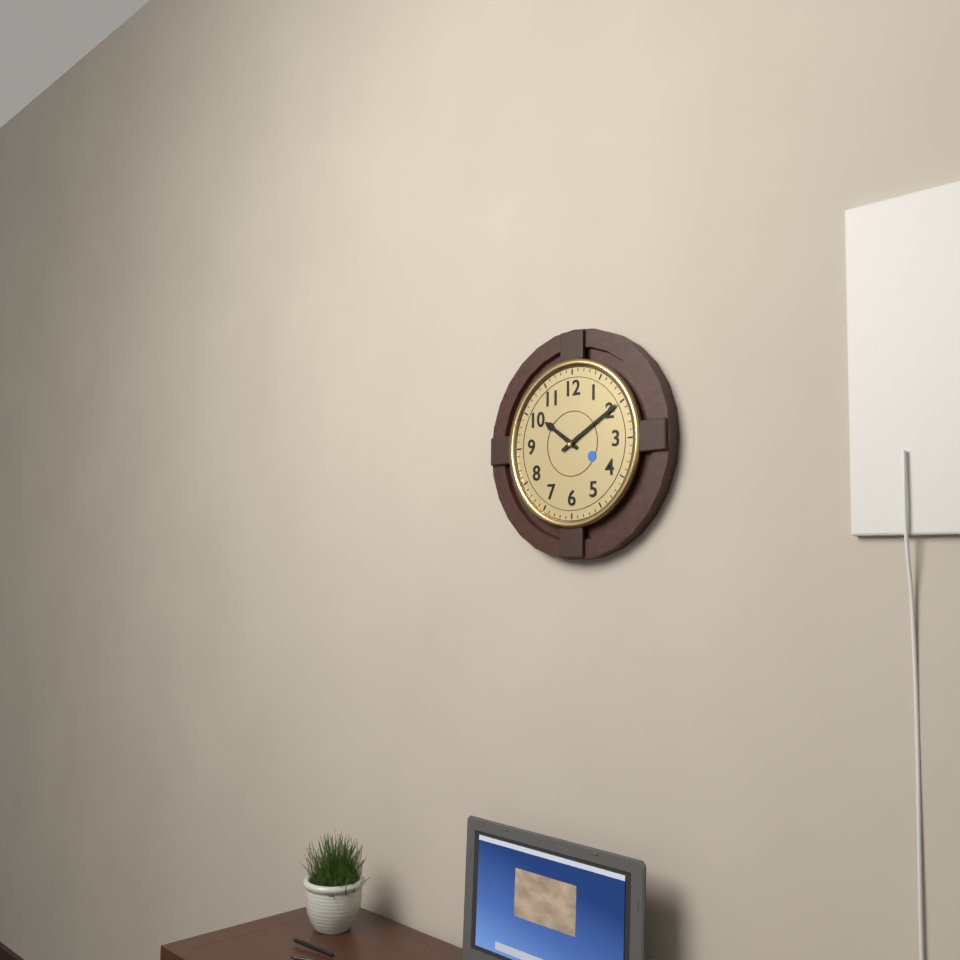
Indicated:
10.10
